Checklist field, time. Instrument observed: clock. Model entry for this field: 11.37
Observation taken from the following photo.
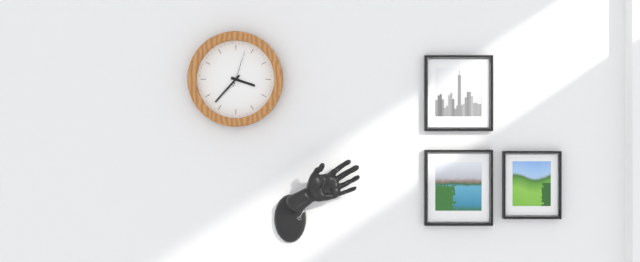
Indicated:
3.37
